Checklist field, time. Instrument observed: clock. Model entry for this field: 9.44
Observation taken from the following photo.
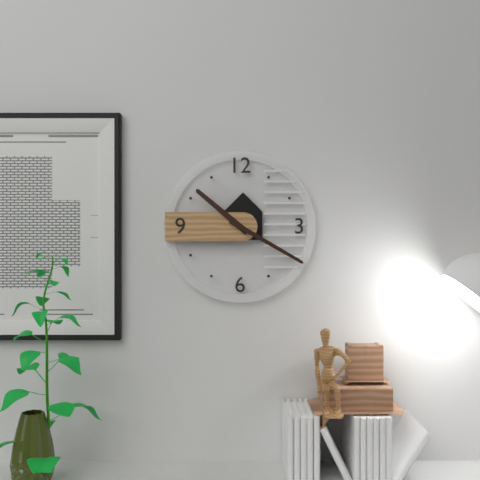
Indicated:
10.20
